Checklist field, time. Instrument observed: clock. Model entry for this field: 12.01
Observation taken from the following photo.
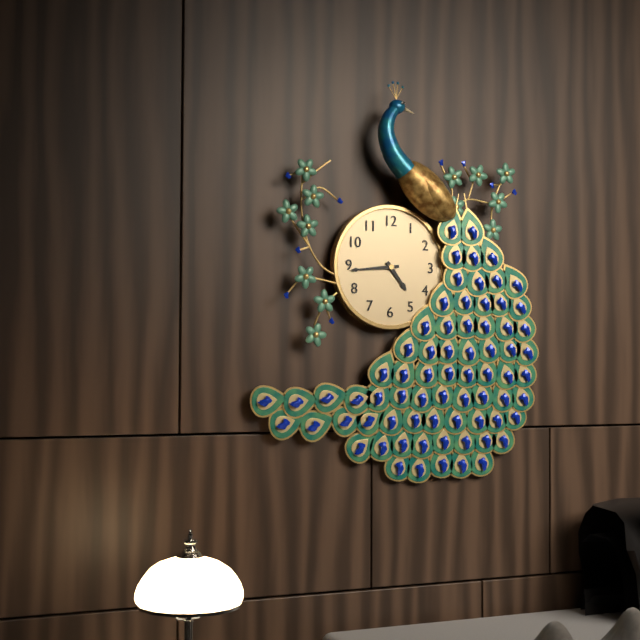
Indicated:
4.44
